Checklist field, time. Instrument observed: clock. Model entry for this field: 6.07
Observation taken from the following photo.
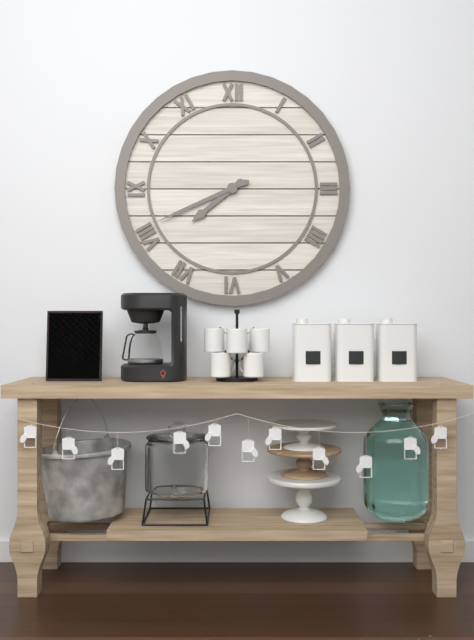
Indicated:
7.41
